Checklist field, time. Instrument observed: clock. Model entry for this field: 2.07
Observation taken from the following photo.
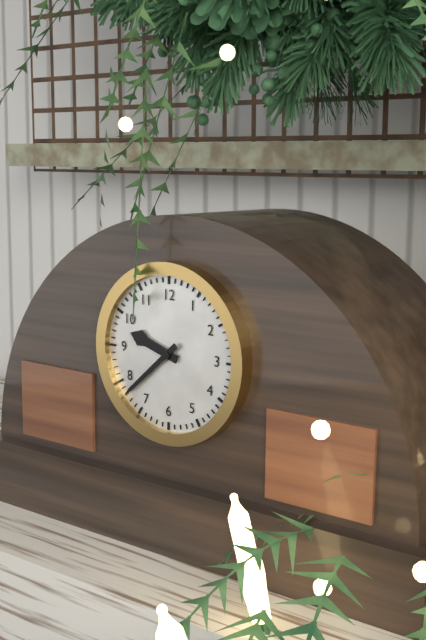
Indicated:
9.38
